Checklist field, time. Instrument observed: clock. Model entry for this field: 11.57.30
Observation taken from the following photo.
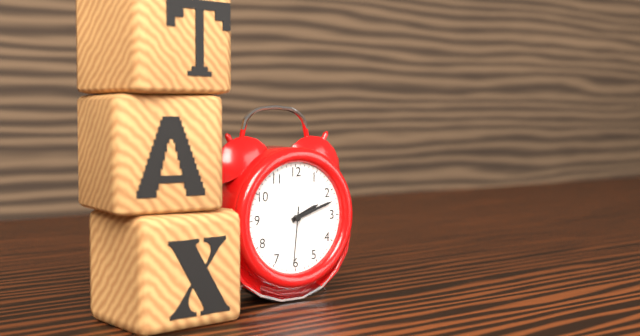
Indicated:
2.12.31
